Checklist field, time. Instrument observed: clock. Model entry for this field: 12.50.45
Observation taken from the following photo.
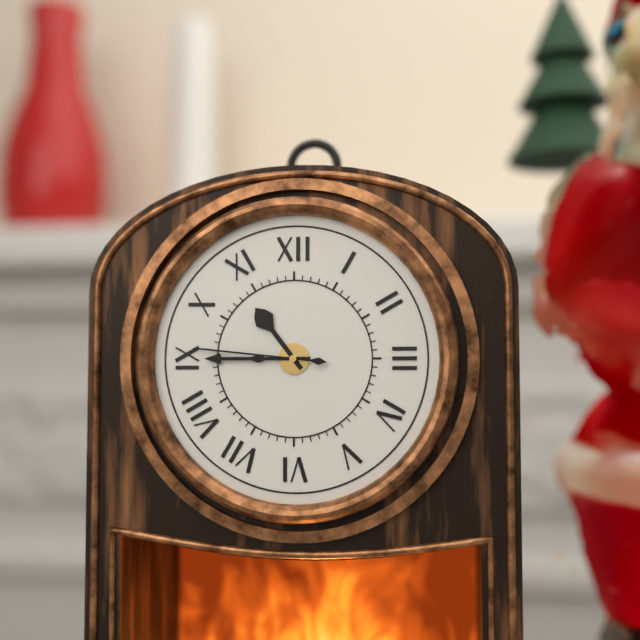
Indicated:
10.45.46
